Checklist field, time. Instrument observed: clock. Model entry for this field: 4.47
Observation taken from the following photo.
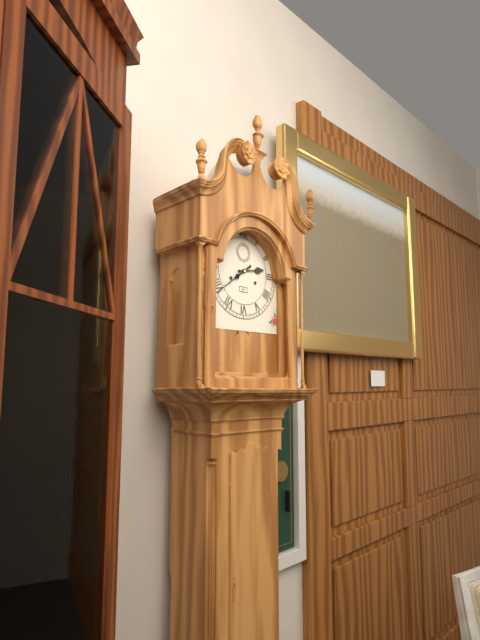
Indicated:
2.39
